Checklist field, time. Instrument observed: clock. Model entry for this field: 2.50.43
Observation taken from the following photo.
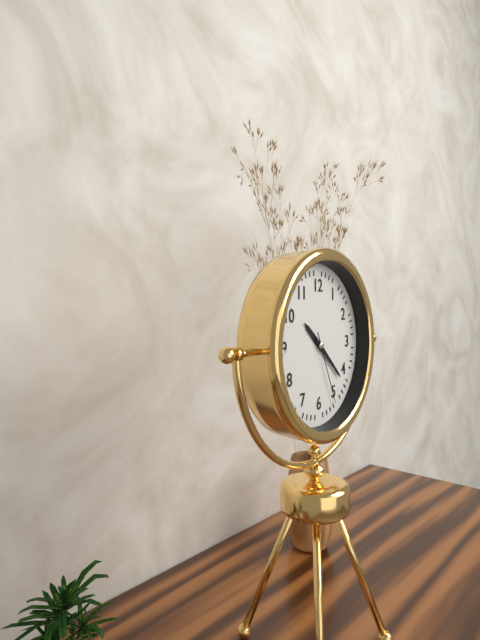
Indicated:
10.22.26
